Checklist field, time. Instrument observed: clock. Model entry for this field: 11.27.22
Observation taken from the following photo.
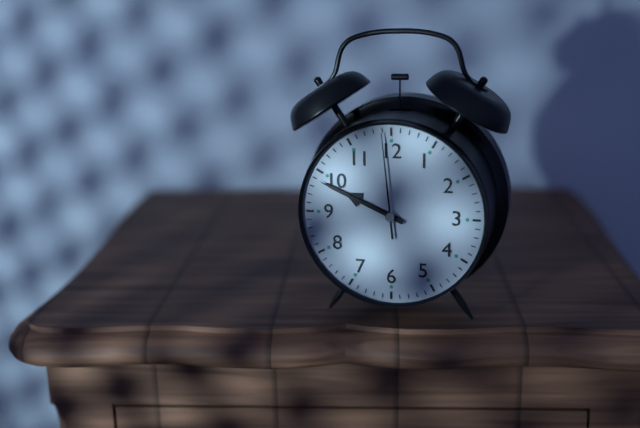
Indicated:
9.49.59
